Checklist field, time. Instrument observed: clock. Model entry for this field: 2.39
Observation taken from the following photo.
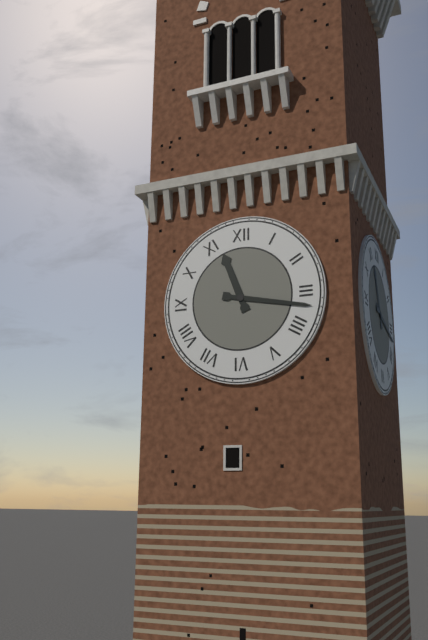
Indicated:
11.17
